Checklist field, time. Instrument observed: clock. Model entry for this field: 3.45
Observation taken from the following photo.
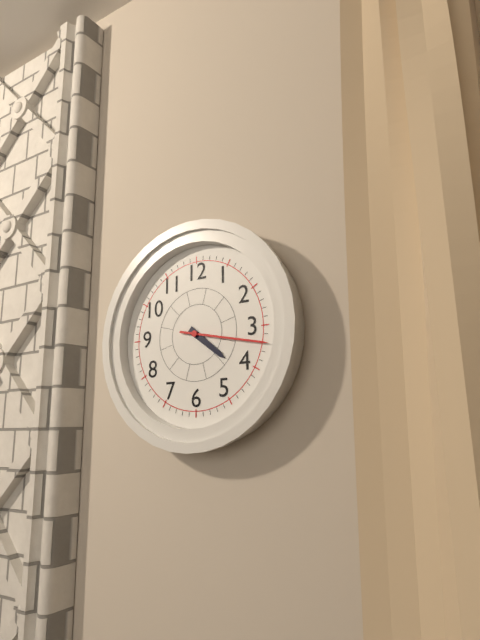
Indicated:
4.17
